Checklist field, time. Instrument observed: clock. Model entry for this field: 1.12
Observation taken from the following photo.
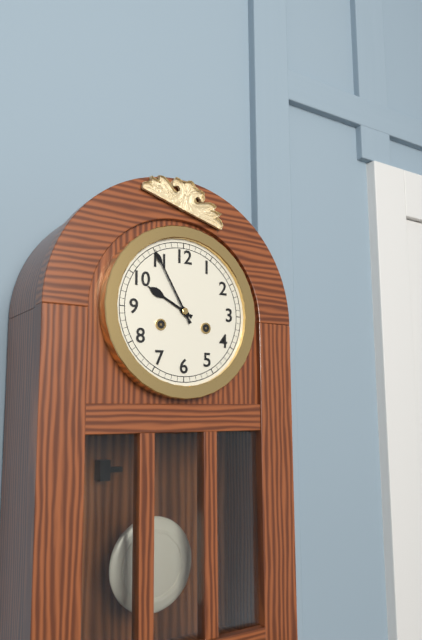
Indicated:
9.55
